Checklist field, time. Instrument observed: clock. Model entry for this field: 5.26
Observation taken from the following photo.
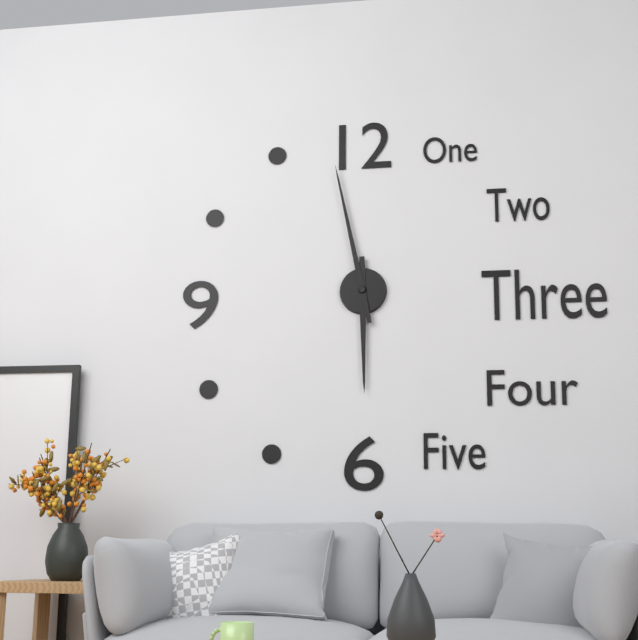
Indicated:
5.58
